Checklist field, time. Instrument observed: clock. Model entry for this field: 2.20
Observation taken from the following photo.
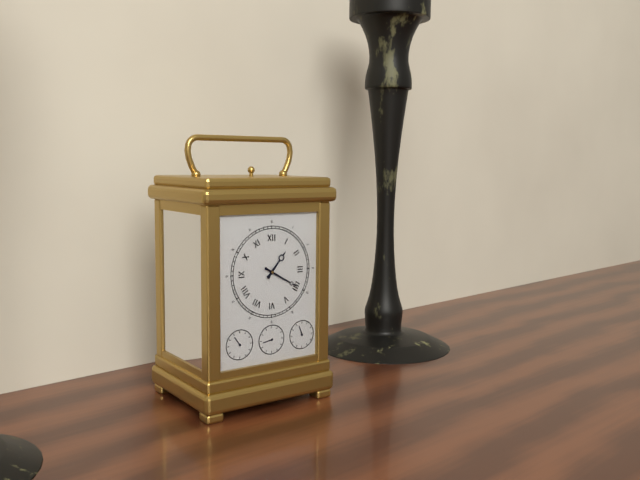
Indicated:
1.20
